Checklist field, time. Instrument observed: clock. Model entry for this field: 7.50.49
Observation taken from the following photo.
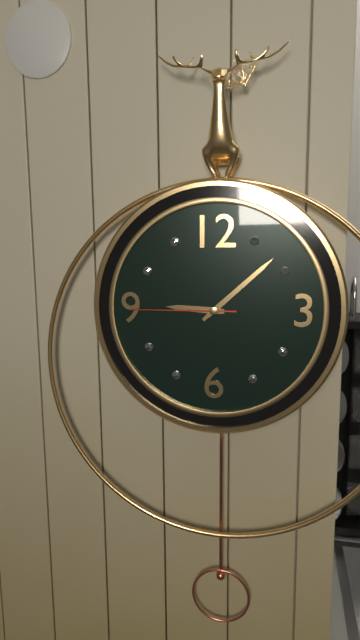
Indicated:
9.08.45
